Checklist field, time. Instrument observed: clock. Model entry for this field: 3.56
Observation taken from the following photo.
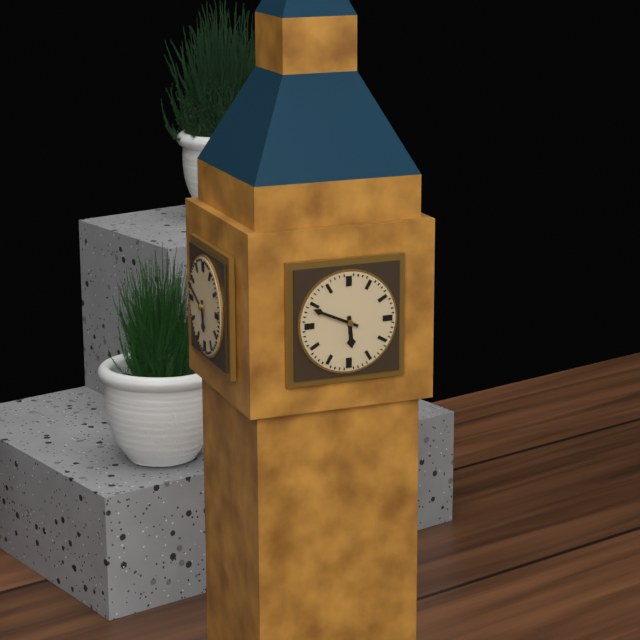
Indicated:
5.49
